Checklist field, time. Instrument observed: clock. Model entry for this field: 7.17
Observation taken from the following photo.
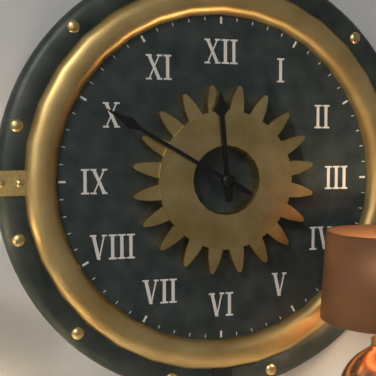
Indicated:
11.50
